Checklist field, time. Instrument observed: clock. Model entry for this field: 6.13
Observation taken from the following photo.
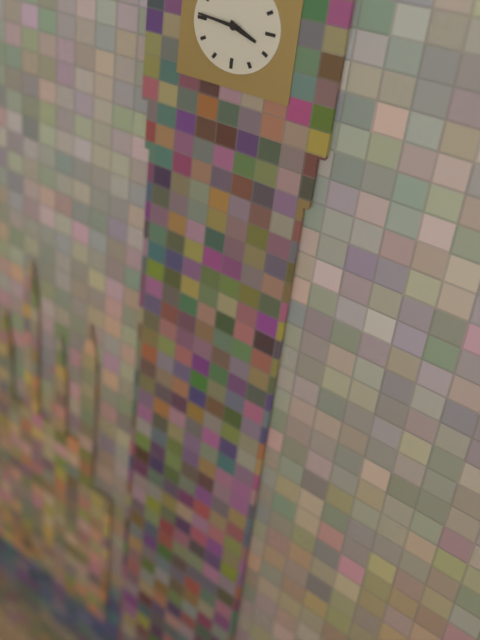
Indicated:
3.46
